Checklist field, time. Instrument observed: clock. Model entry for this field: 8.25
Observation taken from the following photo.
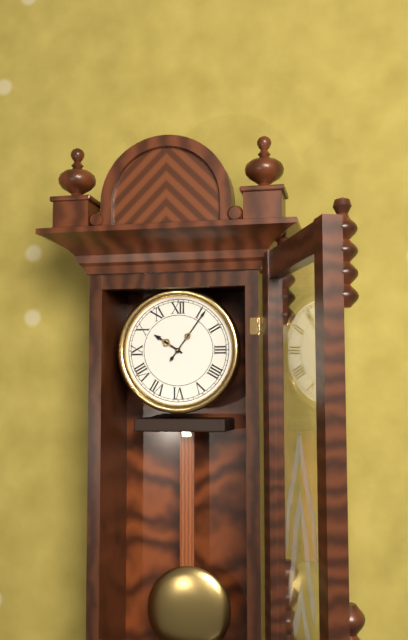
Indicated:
10.06
